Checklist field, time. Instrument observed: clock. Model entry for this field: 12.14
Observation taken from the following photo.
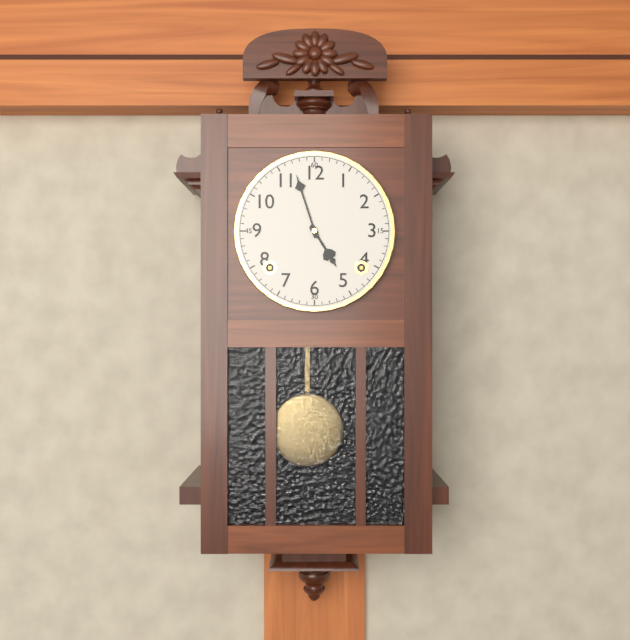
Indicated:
4.57
